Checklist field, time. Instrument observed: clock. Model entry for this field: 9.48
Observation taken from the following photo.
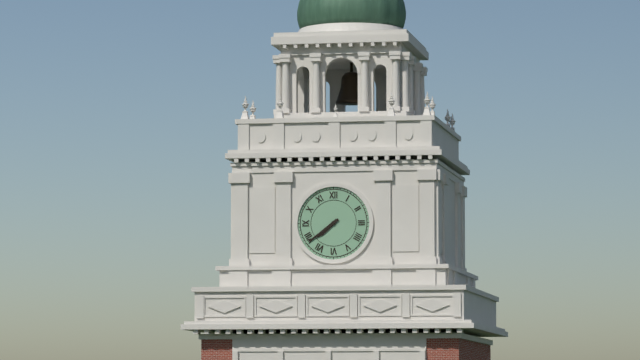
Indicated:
7.39
